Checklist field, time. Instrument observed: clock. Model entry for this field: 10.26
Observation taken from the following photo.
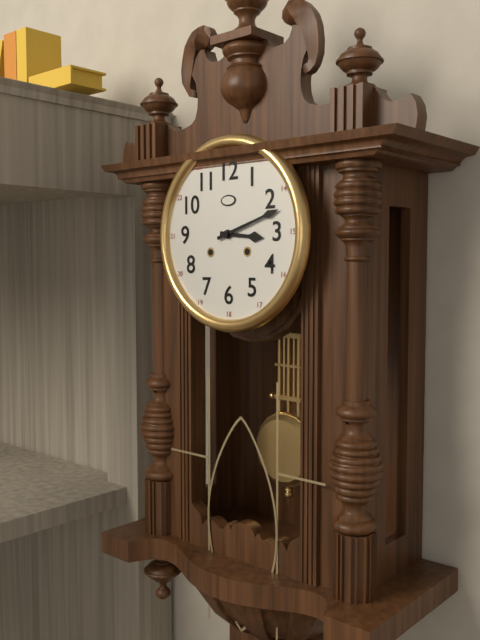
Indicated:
3.12
